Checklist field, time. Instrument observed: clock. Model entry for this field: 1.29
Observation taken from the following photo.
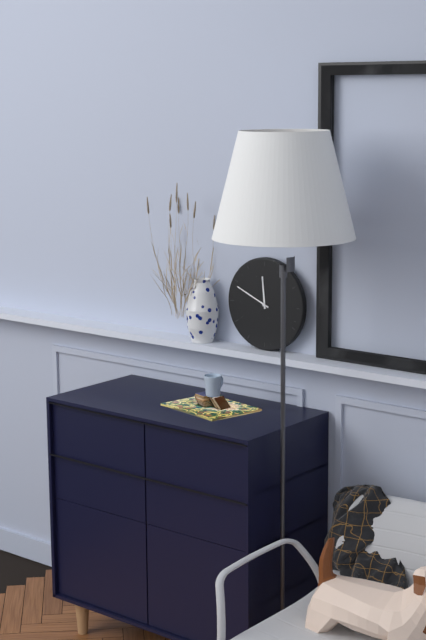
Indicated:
11.49
